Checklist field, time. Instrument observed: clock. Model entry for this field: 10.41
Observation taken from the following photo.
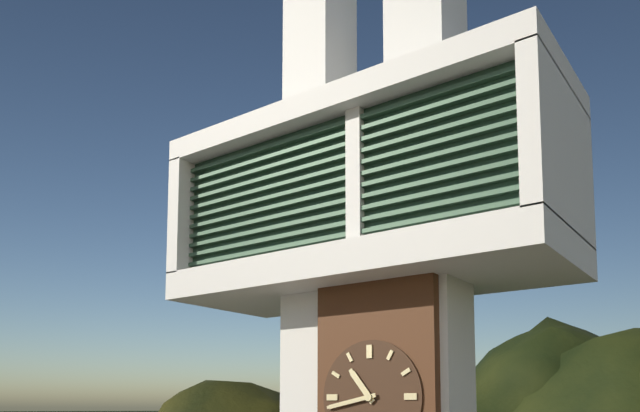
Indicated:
10.43
